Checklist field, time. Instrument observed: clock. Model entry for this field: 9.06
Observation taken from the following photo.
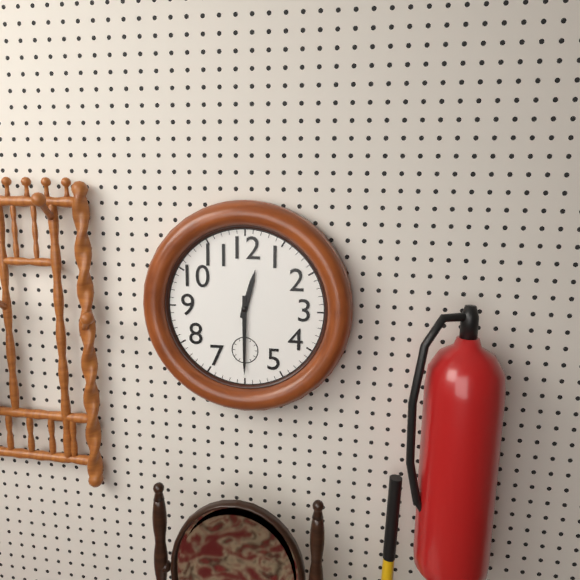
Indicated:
12.30
